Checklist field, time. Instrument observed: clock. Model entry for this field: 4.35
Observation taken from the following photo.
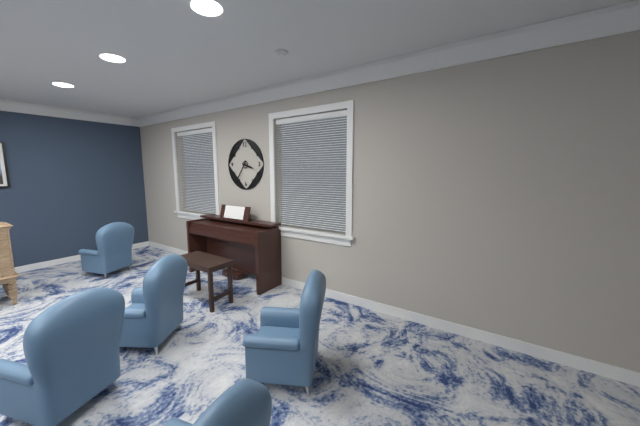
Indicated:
3.36
